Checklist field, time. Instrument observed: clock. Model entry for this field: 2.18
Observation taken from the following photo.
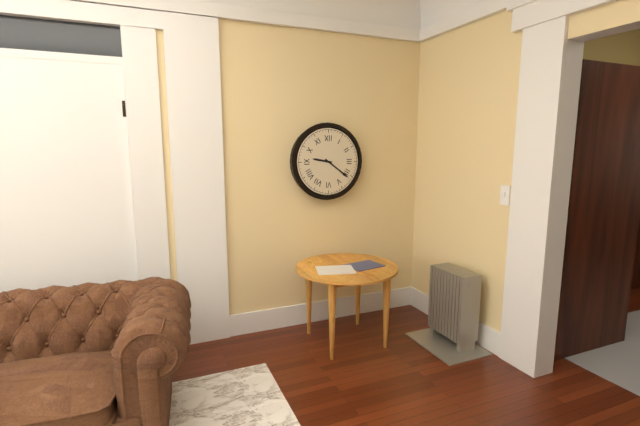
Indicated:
9.21
